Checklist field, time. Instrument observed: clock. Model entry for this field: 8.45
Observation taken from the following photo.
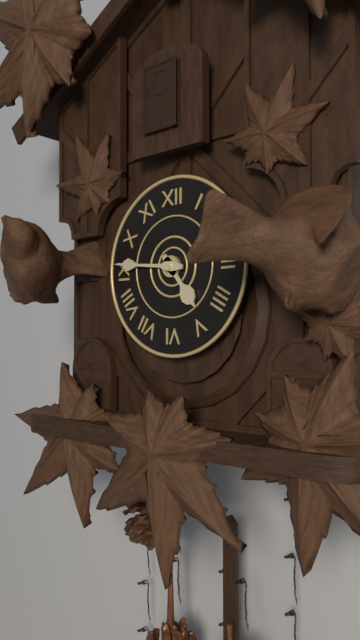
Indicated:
4.46
